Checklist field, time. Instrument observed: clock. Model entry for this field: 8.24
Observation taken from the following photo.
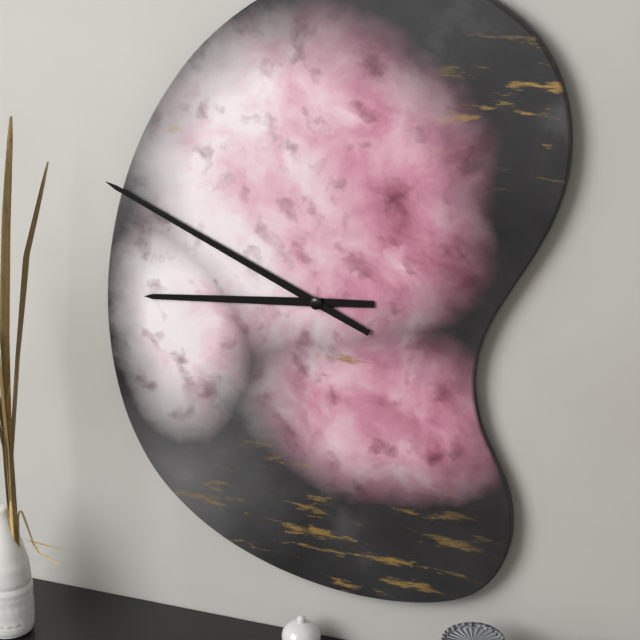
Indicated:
8.49
